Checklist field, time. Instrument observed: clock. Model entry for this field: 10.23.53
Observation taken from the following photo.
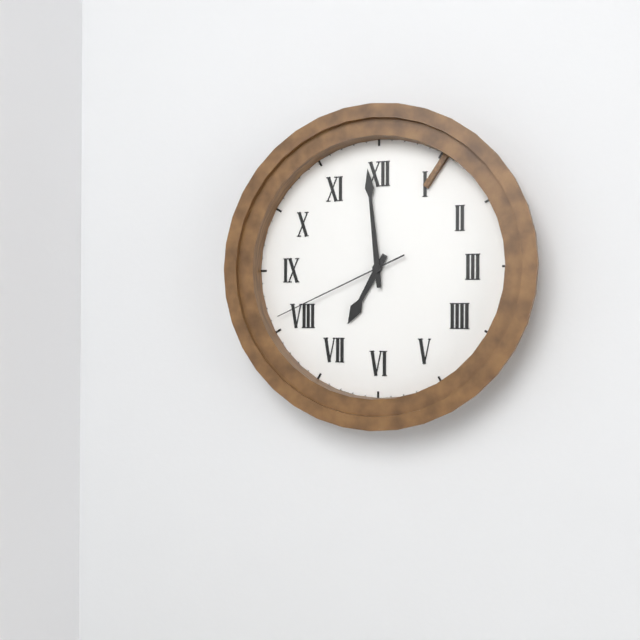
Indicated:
6.59.41
